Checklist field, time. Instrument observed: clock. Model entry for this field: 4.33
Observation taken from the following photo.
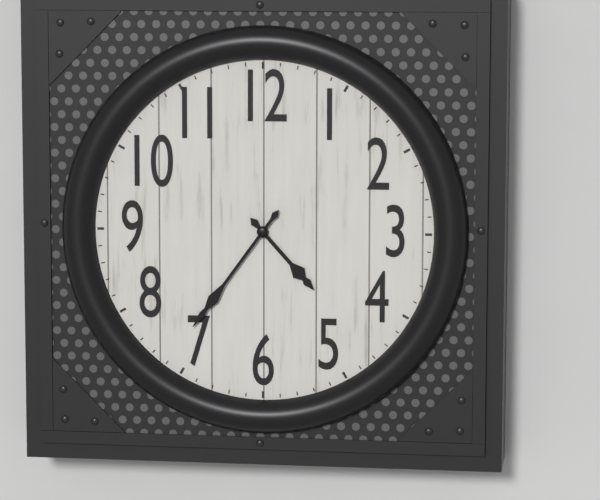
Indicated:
4.36
